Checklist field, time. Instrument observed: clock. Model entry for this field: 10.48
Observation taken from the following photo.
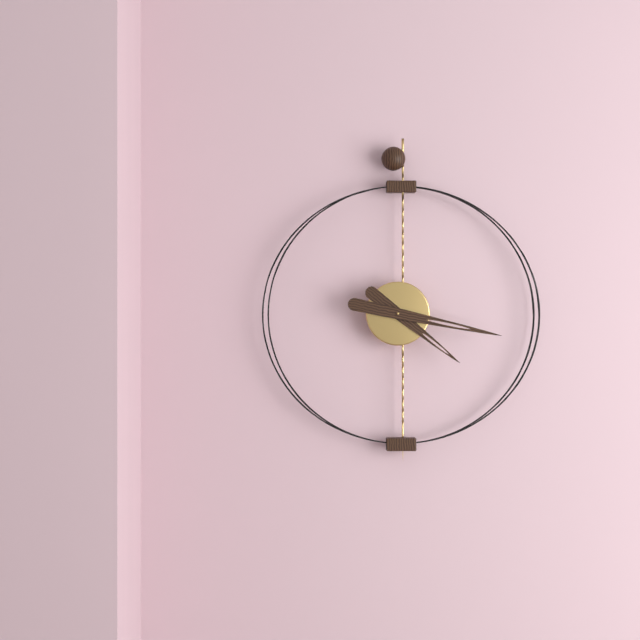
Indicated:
4.17
